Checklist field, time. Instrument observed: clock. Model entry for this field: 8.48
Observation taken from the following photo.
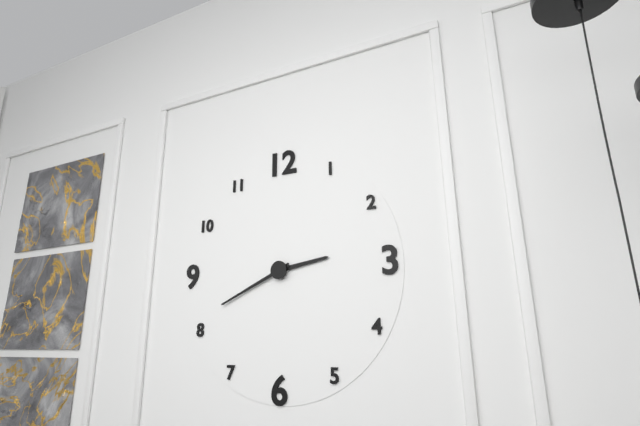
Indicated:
2.41
